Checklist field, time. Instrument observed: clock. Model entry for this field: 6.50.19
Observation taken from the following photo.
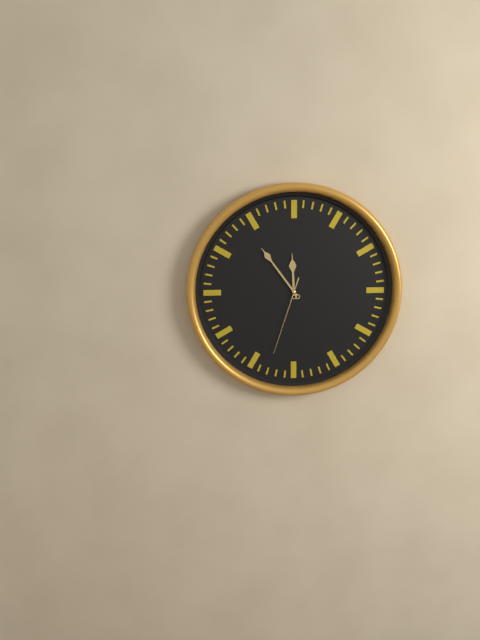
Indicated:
11.54.33
